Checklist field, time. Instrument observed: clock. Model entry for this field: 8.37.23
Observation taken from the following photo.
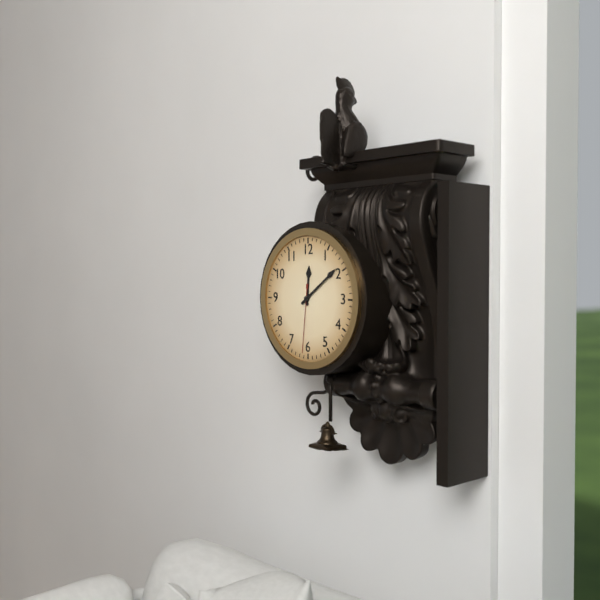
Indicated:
12.09.31
